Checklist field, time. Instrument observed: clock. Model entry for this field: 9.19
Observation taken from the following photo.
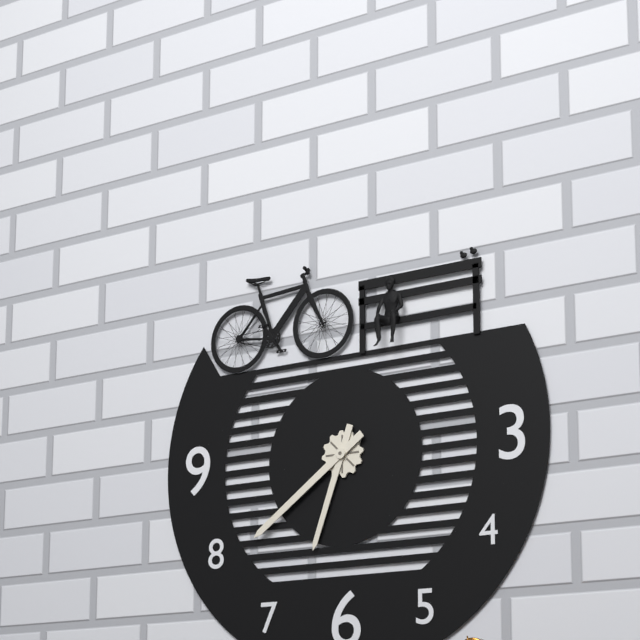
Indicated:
6.39
